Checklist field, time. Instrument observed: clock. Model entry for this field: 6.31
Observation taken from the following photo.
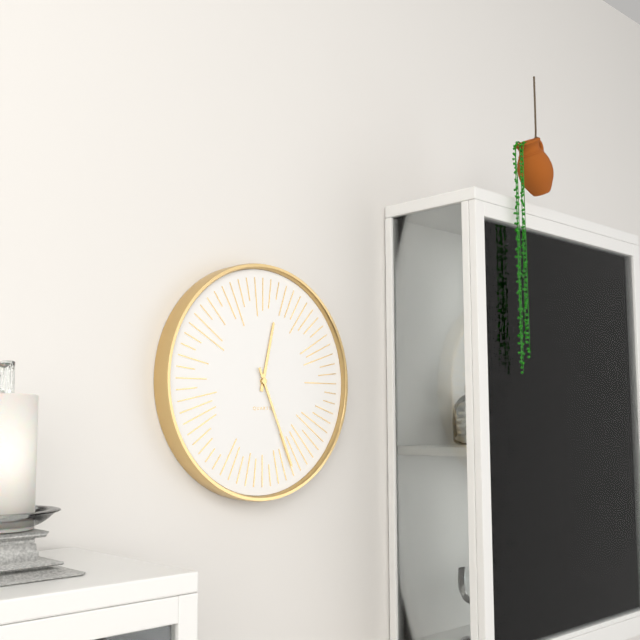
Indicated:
12.26
